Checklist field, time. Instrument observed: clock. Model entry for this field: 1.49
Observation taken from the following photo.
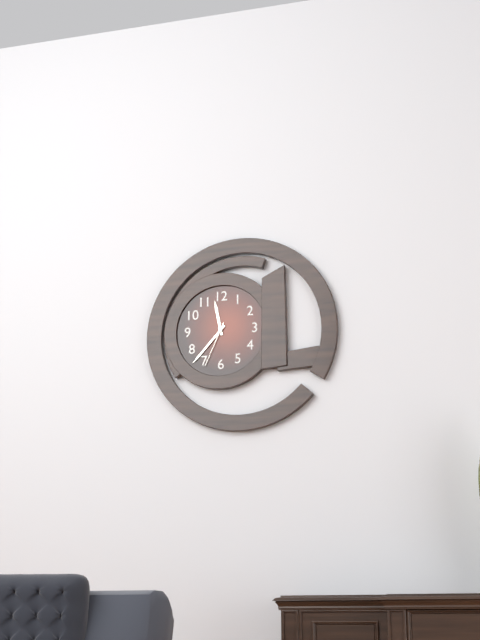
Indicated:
11.37
